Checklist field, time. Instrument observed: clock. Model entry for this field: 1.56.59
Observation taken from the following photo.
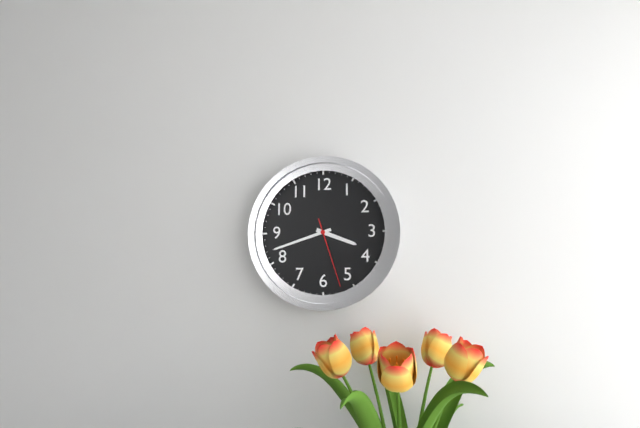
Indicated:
3.42.27
